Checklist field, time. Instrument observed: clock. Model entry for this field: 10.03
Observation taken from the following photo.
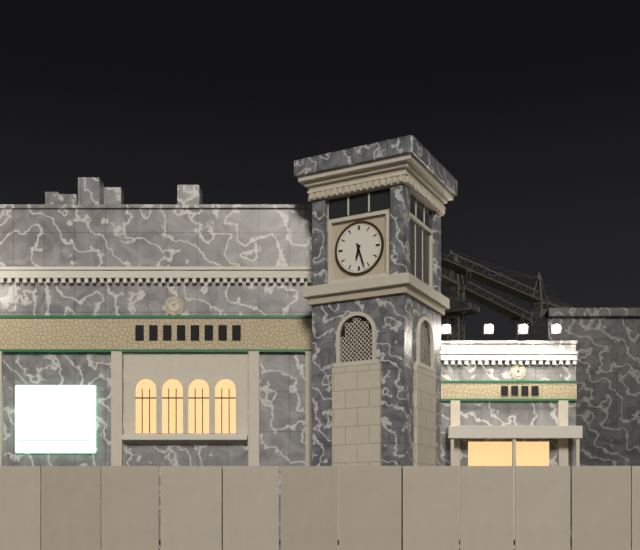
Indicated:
6.27
